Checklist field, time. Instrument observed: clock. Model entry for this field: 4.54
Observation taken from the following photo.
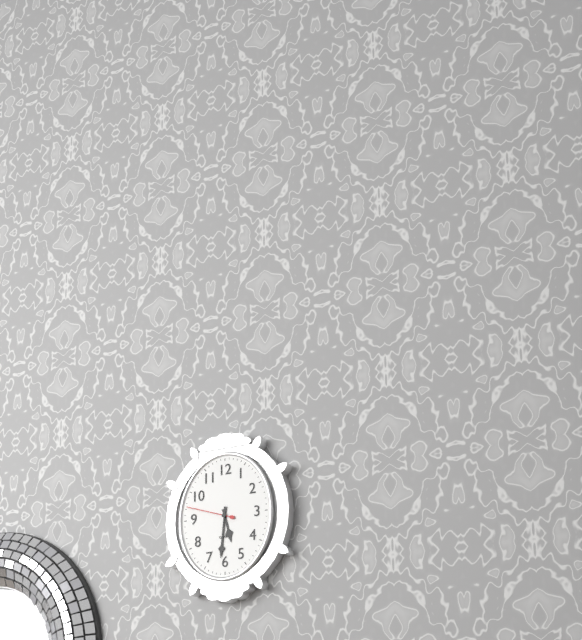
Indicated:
5.31
